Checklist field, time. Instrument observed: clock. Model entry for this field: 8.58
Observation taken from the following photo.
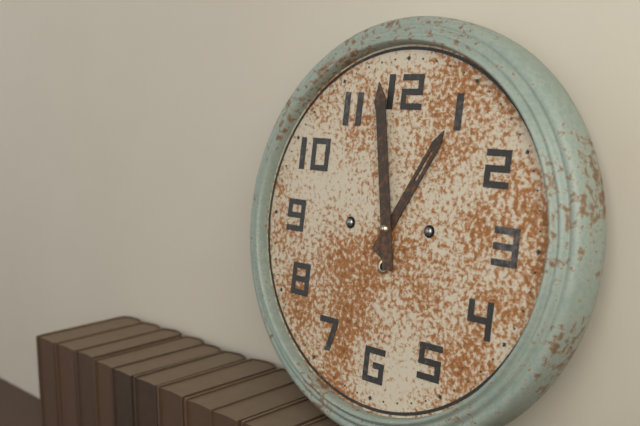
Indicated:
12.58
